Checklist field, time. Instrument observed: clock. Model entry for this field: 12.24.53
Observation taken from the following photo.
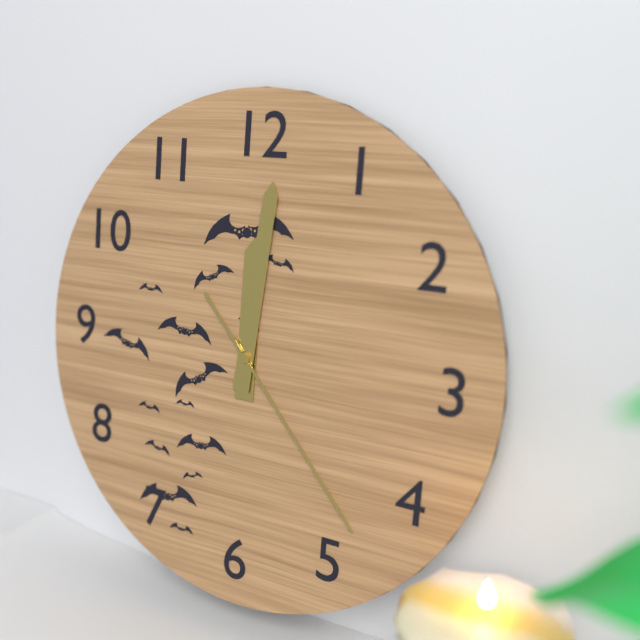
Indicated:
12.01.23
